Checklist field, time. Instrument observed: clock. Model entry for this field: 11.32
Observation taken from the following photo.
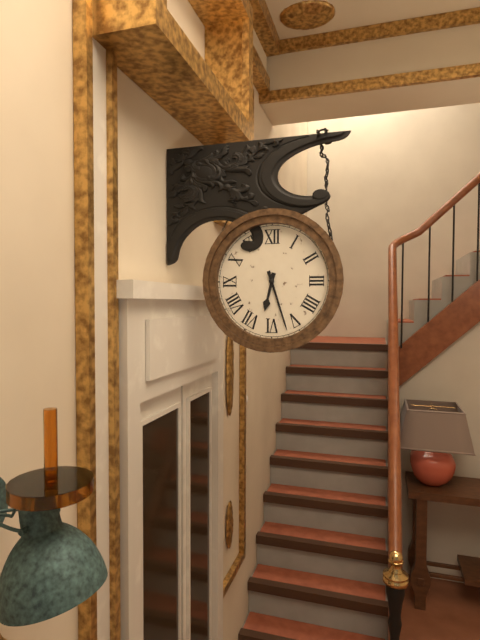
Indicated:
6.27
